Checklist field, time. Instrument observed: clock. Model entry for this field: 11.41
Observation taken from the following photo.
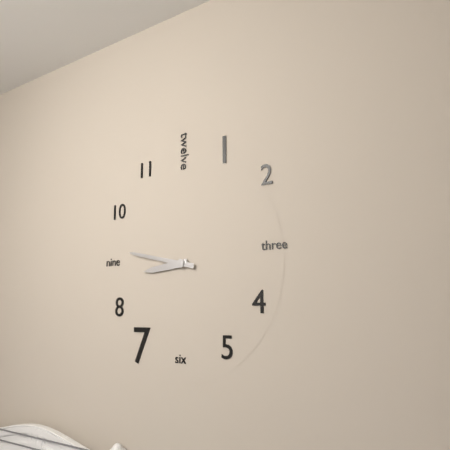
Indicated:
8.47
